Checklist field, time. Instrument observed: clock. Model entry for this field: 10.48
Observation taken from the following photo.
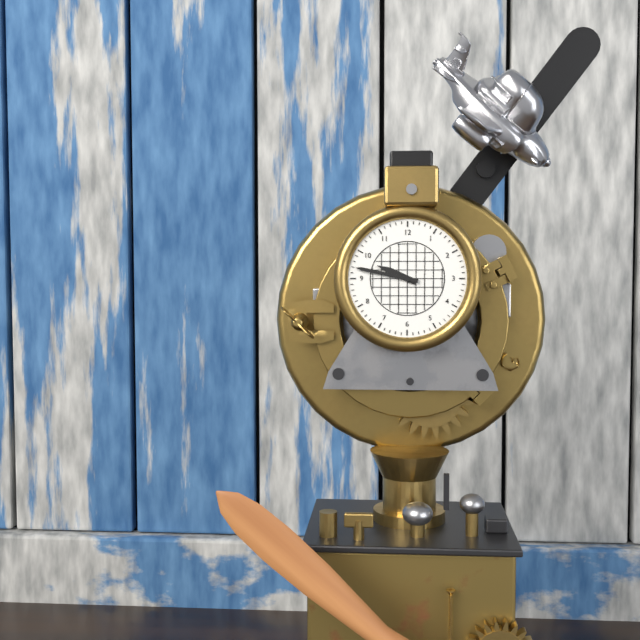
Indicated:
9.47
